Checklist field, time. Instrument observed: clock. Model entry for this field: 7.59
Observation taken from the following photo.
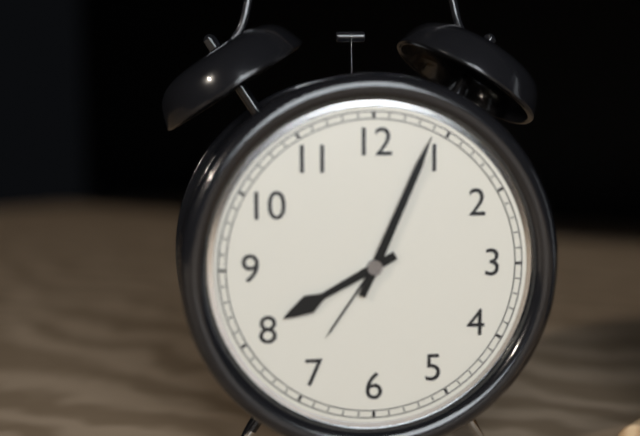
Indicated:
8.04
